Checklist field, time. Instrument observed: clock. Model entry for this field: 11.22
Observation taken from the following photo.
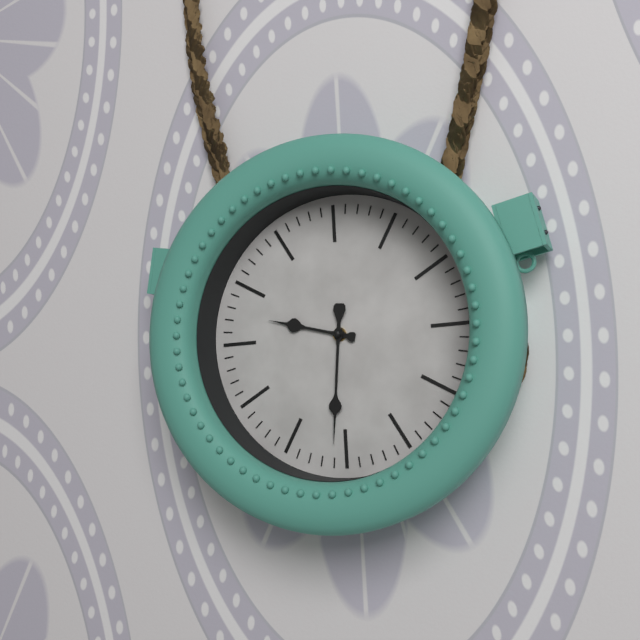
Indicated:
9.31
